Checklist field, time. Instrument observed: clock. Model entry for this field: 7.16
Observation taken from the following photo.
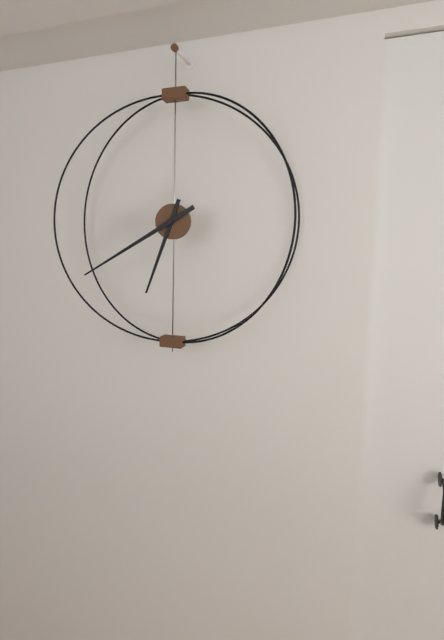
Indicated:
6.40
